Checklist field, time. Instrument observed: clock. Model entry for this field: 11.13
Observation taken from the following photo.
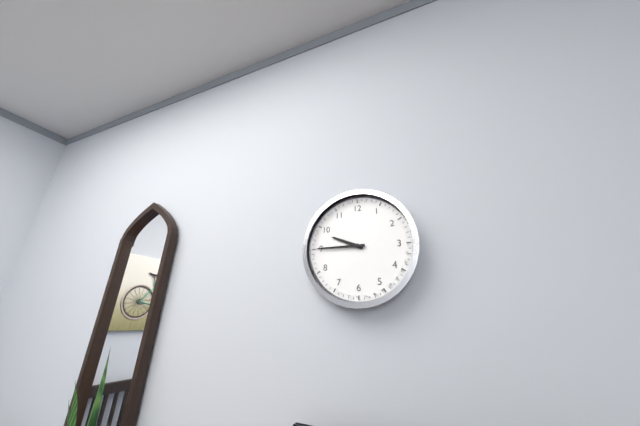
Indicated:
9.45
